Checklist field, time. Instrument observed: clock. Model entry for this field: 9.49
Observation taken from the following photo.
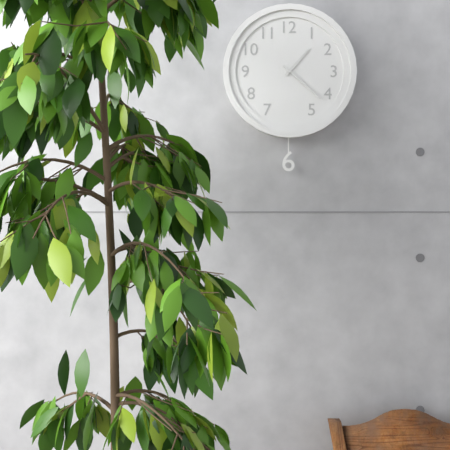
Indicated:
1.22
